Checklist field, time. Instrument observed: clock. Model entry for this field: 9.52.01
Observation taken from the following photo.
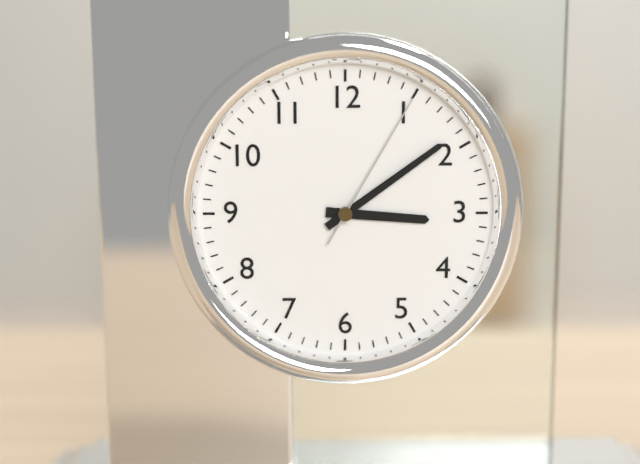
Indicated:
3.09.05
